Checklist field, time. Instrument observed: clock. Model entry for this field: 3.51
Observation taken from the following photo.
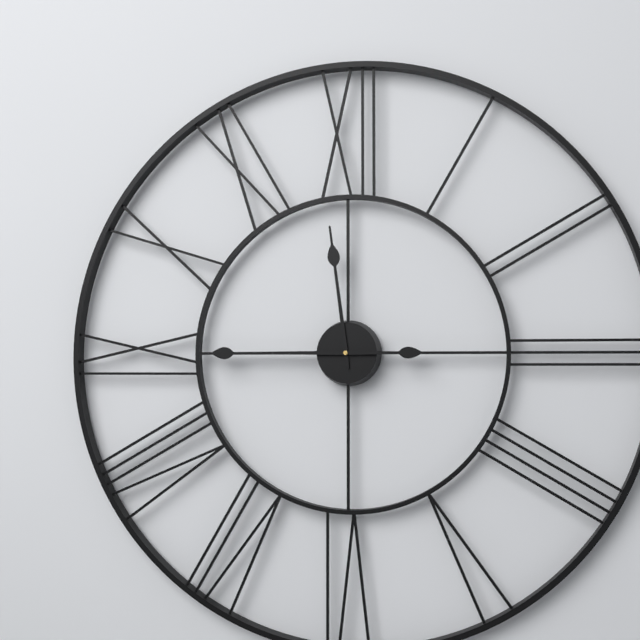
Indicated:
11.45
